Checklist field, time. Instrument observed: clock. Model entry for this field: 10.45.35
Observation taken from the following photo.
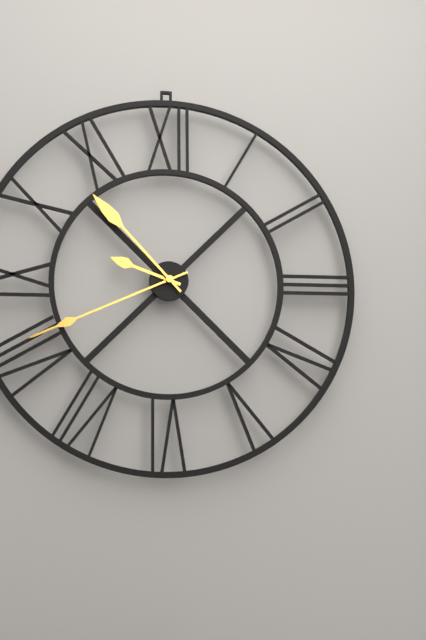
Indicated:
9.41.53
